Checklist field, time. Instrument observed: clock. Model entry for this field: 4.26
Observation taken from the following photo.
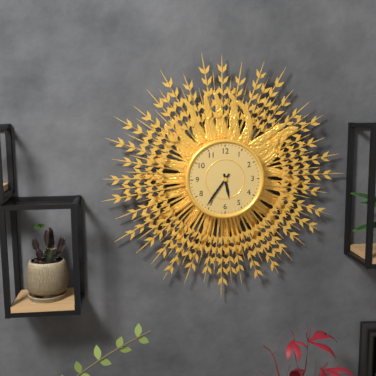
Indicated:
5.36
